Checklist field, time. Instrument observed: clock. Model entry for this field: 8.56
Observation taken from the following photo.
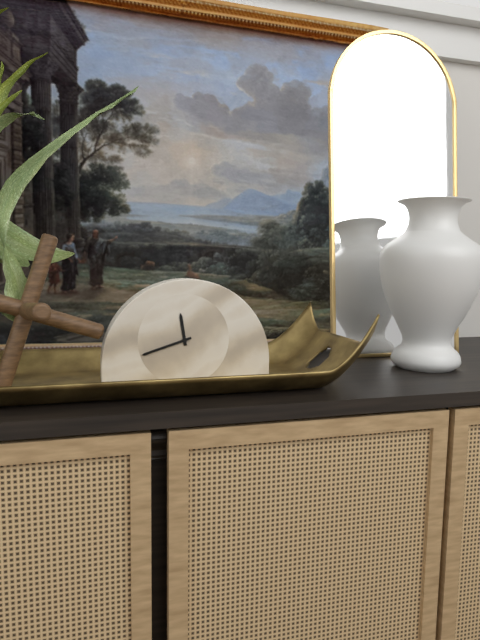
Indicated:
11.42
